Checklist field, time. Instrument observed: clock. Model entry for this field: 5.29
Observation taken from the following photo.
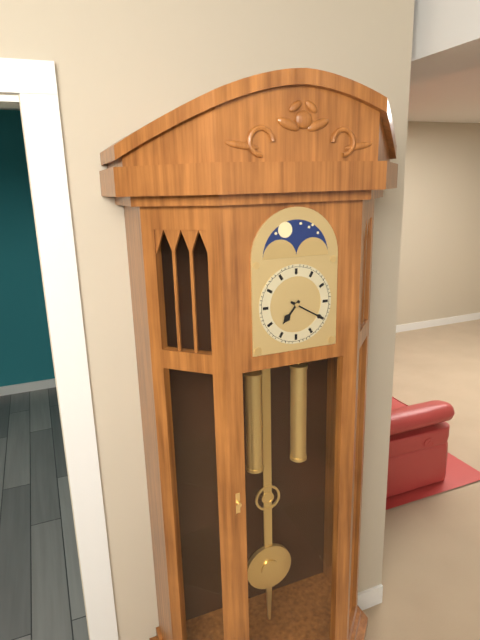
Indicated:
7.20
